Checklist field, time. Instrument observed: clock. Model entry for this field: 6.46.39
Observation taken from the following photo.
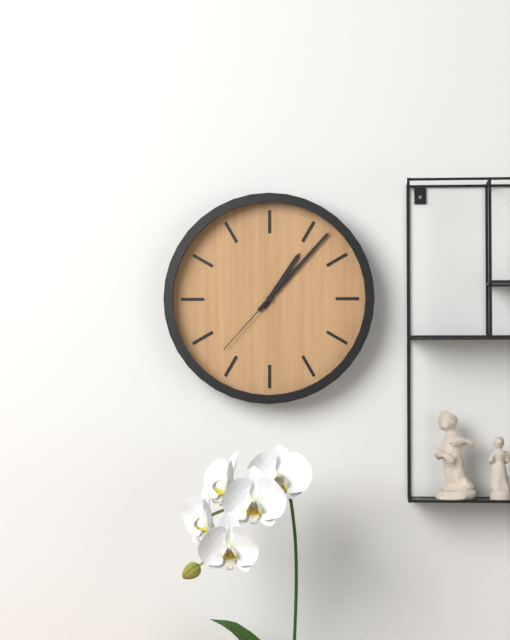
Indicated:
1.07.37
